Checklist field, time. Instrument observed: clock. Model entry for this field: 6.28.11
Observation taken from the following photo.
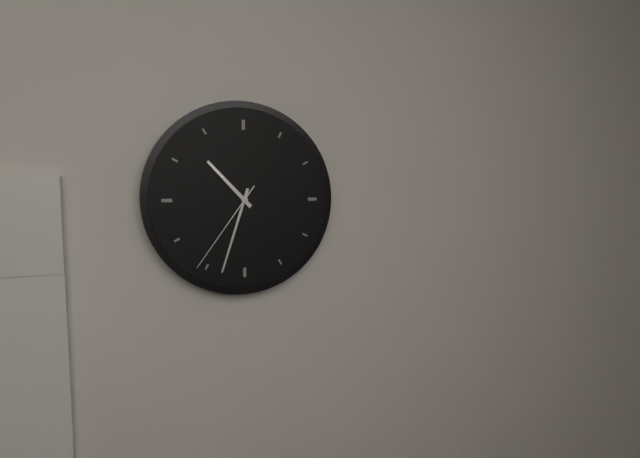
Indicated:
10.33.36
